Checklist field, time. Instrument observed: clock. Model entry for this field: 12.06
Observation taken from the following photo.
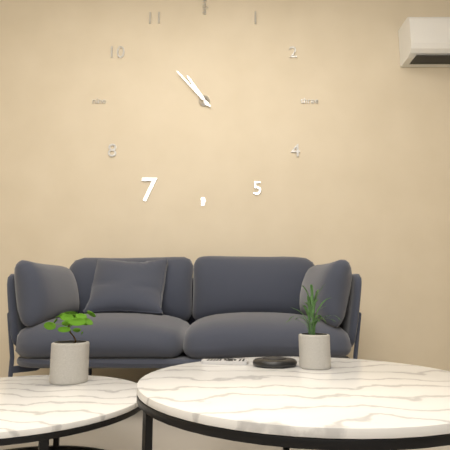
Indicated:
10.53
